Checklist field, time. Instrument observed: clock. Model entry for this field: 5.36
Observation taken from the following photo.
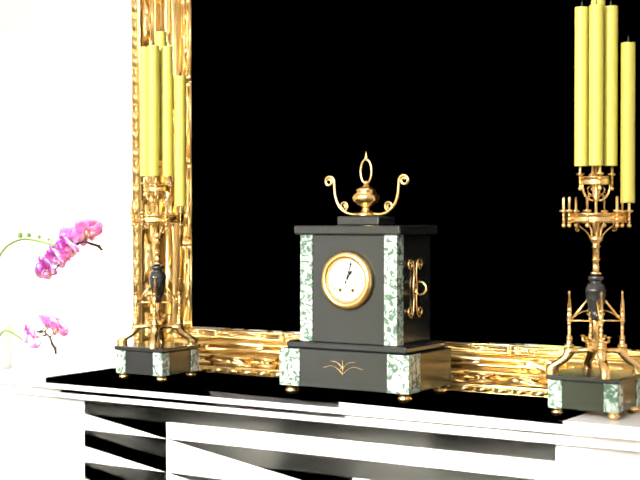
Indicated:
1.03
